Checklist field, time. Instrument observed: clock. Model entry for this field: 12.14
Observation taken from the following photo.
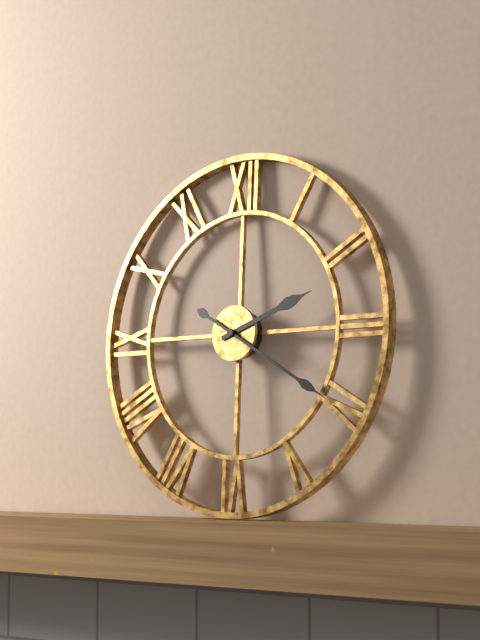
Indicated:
2.20
